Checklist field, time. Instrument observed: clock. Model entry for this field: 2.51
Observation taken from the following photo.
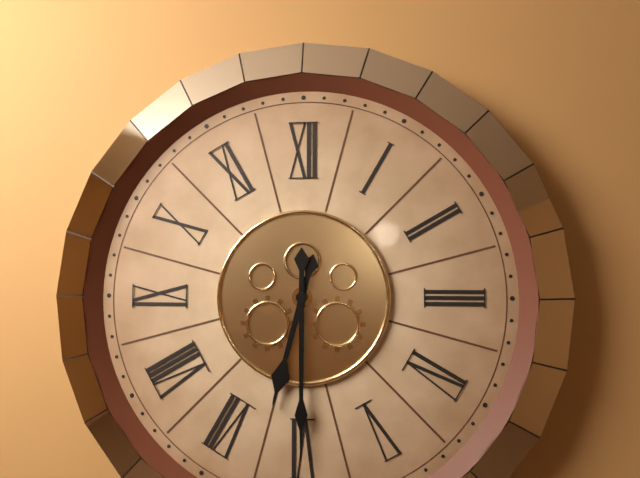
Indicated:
6.30
